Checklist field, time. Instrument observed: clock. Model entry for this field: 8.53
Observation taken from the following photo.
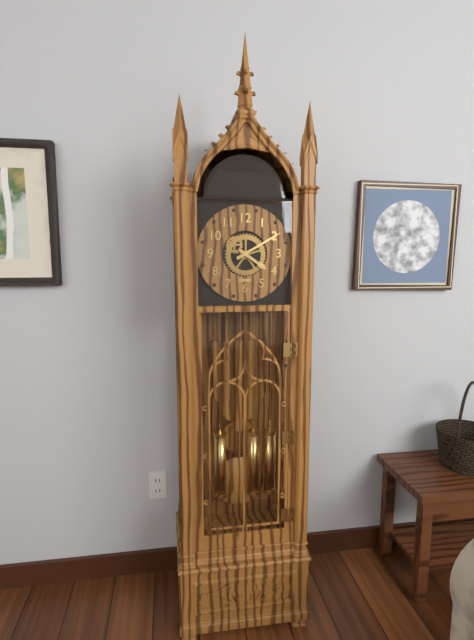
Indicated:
4.10
